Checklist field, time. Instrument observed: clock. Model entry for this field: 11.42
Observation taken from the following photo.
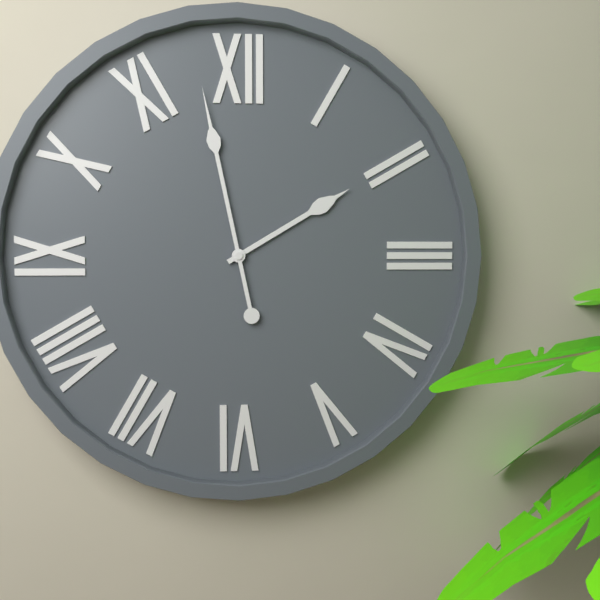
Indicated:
1.58
